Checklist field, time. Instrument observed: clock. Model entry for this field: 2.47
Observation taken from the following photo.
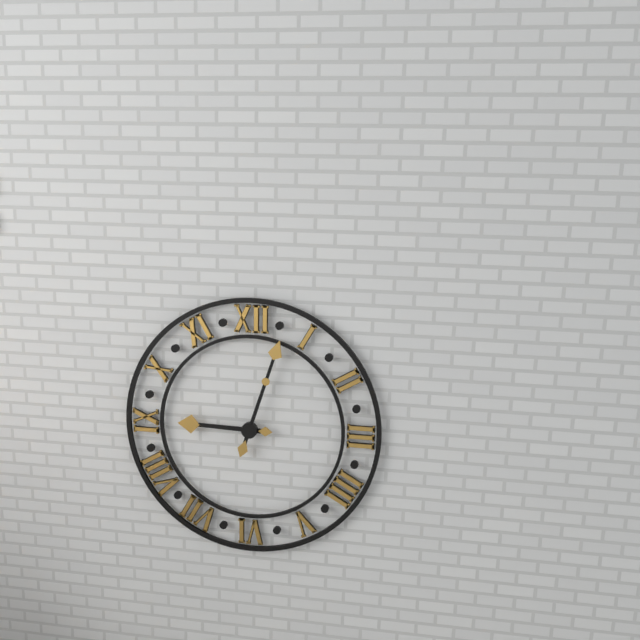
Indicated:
9.03
